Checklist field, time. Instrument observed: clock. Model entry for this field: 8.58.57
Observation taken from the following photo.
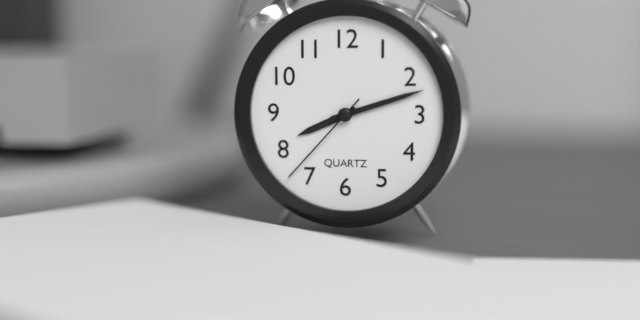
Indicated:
8.12.37
